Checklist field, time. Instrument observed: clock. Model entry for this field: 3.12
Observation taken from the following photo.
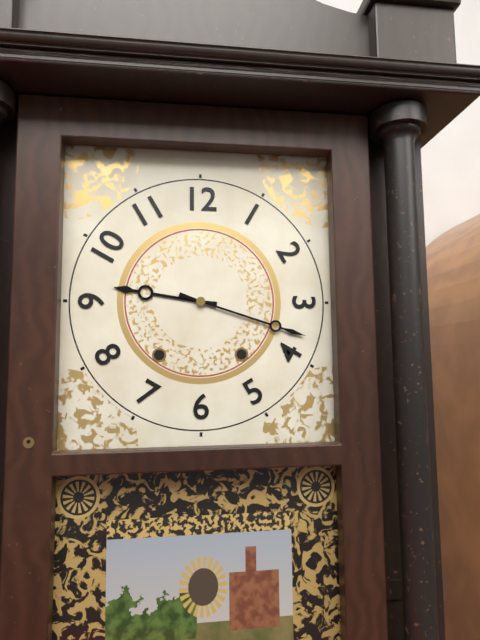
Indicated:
9.18
